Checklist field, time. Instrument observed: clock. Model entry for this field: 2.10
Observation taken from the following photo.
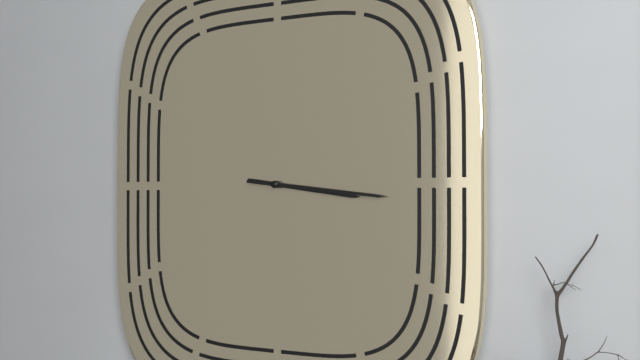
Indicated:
3.16
